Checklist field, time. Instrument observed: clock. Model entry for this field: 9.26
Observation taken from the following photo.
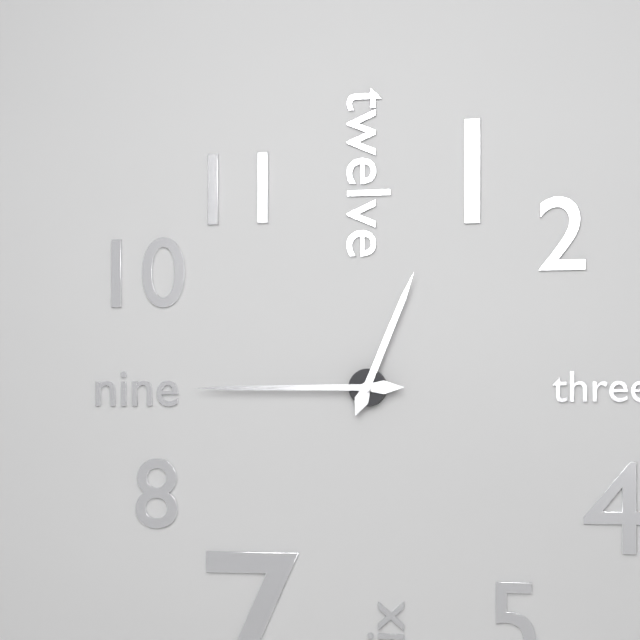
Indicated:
12.45
